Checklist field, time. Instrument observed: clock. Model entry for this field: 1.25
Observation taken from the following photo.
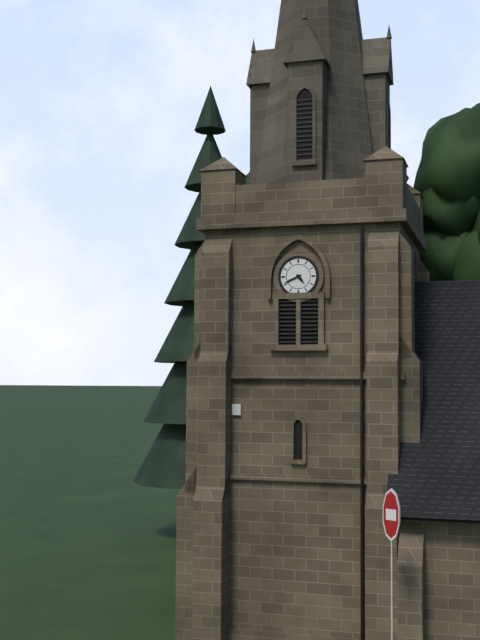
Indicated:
4.41
